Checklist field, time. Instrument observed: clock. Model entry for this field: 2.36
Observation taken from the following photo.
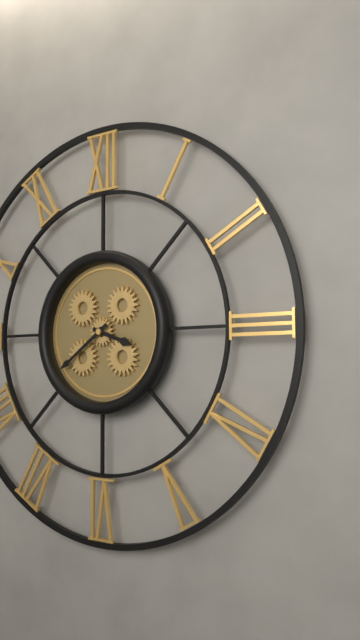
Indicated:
3.39
